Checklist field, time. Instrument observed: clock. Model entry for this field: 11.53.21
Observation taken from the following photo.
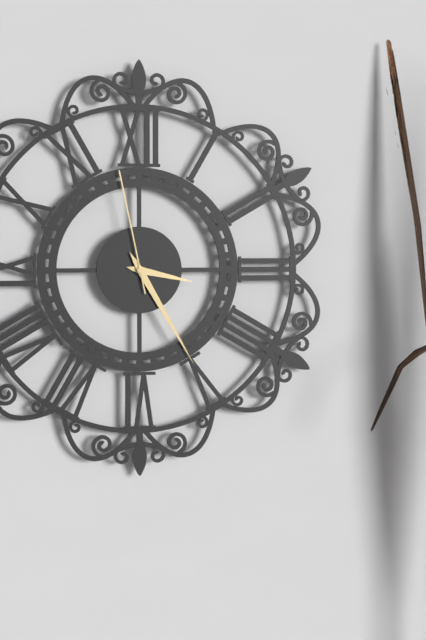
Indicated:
3.25.58
